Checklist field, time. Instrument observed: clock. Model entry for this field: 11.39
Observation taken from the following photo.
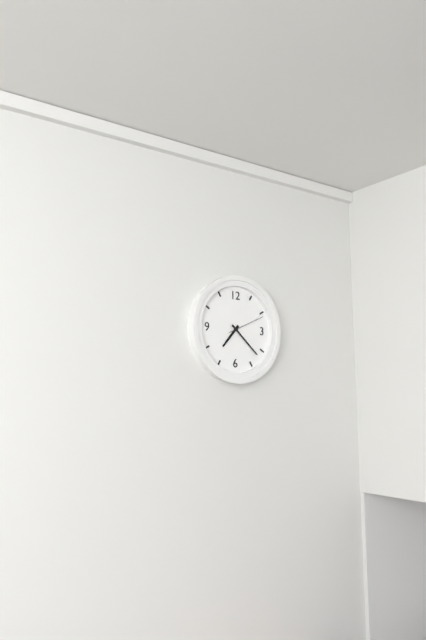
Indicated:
7.22
